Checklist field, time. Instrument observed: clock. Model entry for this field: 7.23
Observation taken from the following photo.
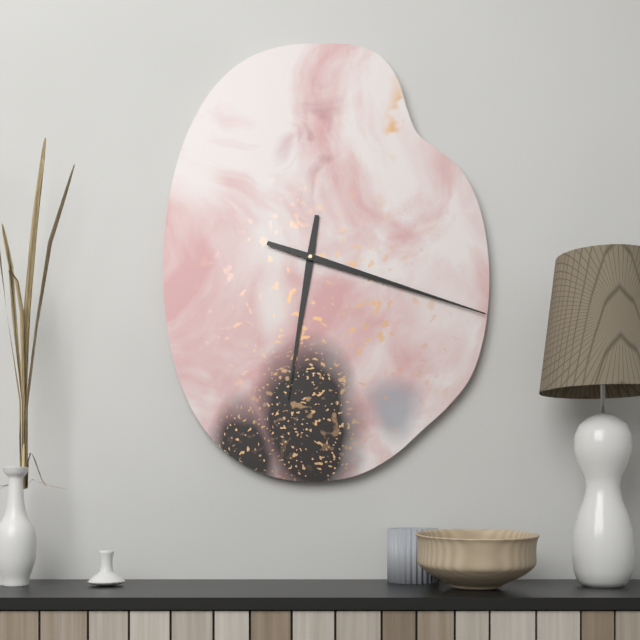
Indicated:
6.18
